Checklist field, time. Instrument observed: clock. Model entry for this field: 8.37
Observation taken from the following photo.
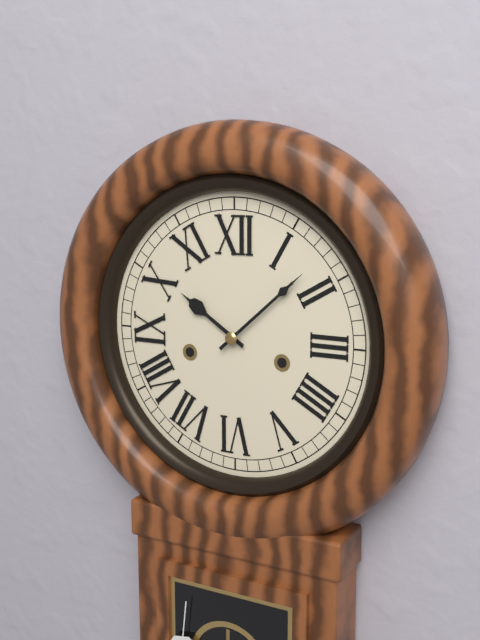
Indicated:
10.08
